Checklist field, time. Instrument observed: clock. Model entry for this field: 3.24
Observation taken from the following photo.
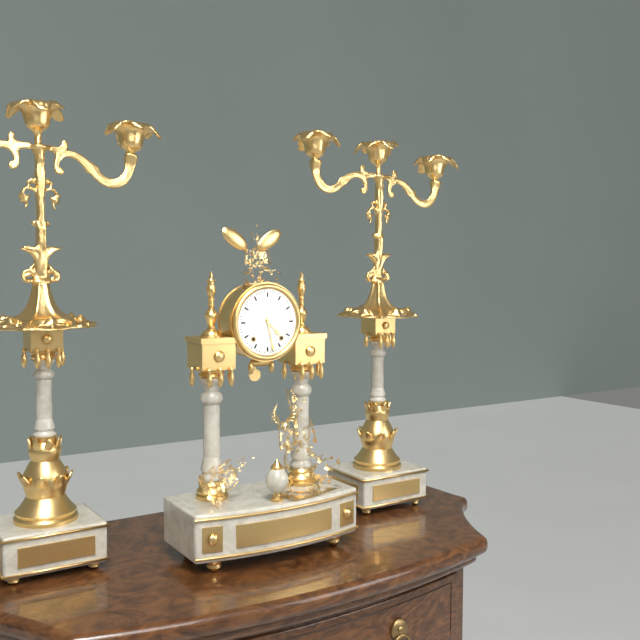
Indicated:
4.28
